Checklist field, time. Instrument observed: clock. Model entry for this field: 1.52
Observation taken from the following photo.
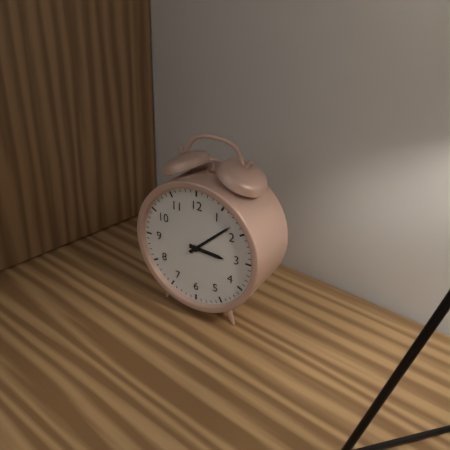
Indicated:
3.08
